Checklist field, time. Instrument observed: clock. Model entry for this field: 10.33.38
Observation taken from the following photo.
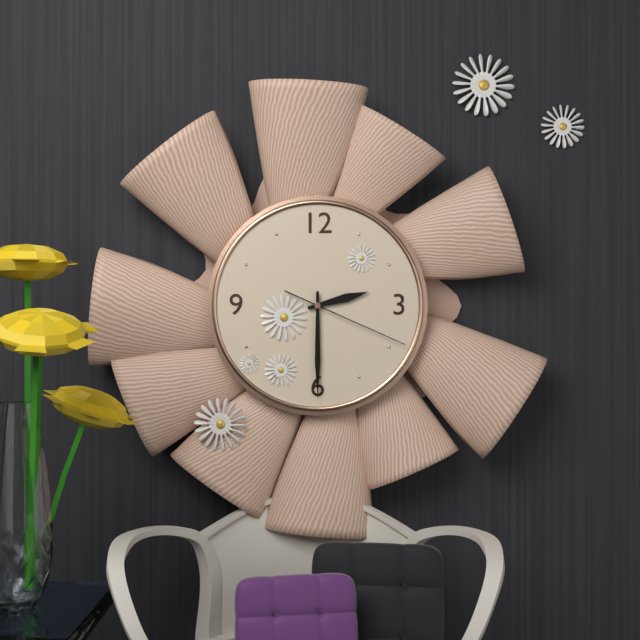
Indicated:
2.30.19
